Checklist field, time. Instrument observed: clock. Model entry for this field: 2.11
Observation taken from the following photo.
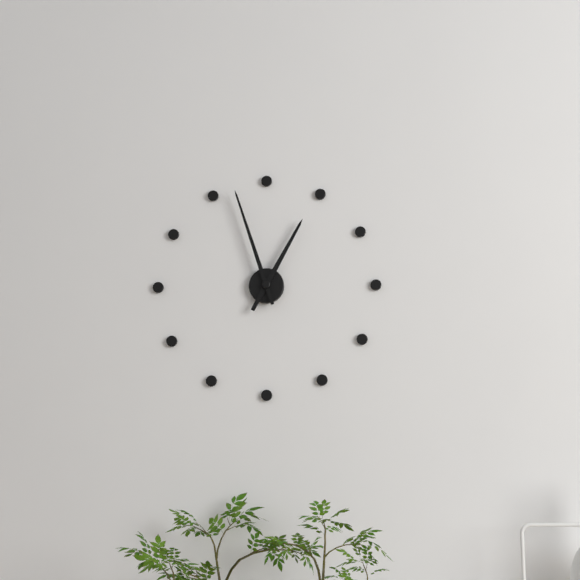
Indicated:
12.57
